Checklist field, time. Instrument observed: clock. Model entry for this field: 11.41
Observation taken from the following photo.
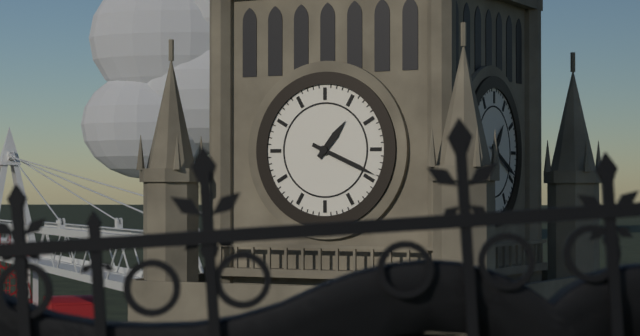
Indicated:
1.19
